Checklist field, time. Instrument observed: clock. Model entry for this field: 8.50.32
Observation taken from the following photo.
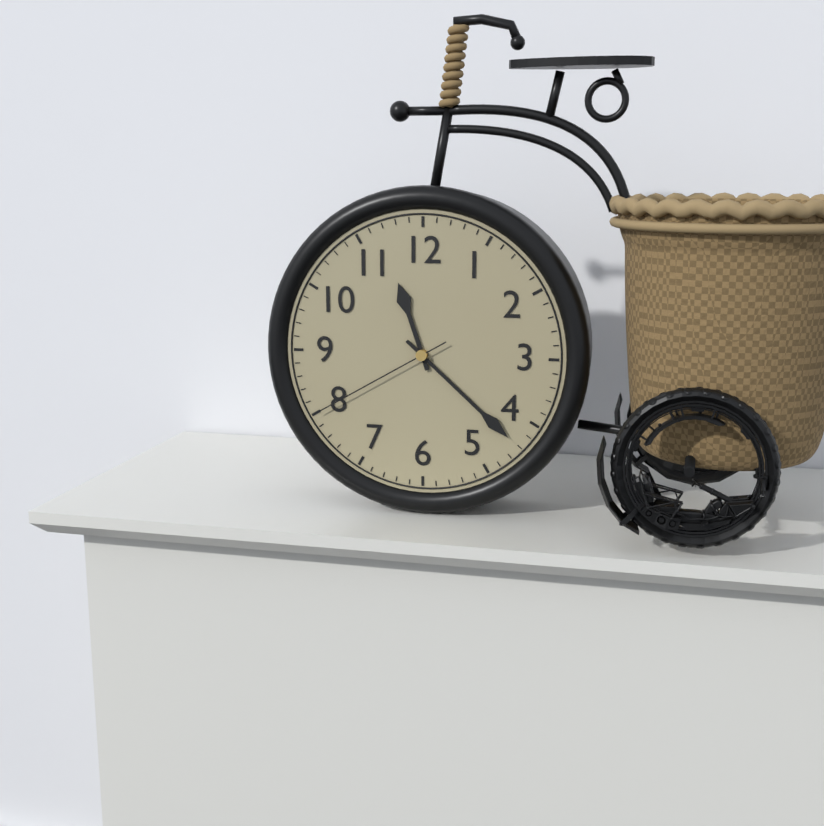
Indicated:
11.22.40
